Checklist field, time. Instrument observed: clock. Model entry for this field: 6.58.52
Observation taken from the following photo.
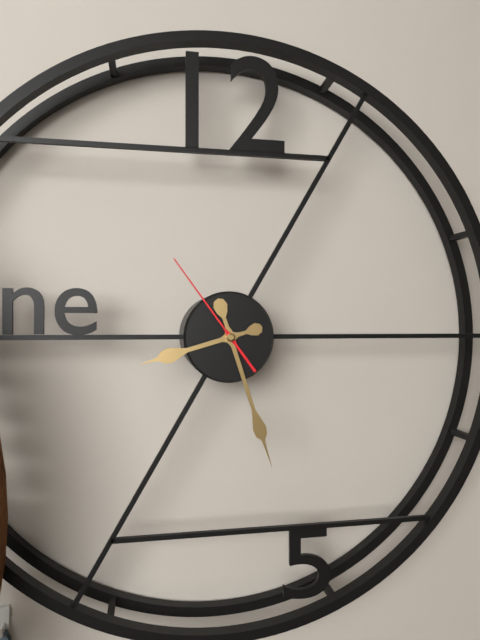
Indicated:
8.27.54
